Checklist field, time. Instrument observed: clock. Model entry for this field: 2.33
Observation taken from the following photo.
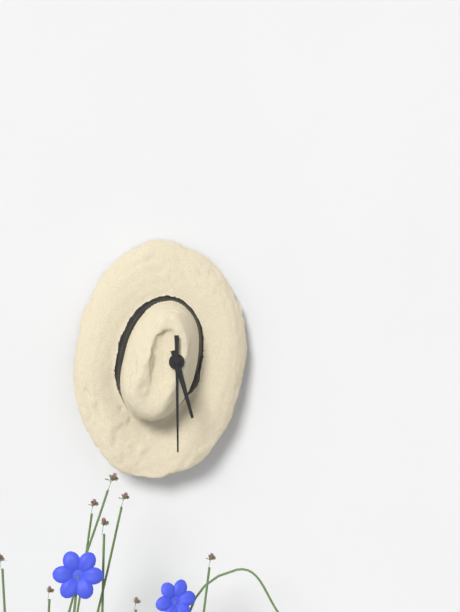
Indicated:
5.30
